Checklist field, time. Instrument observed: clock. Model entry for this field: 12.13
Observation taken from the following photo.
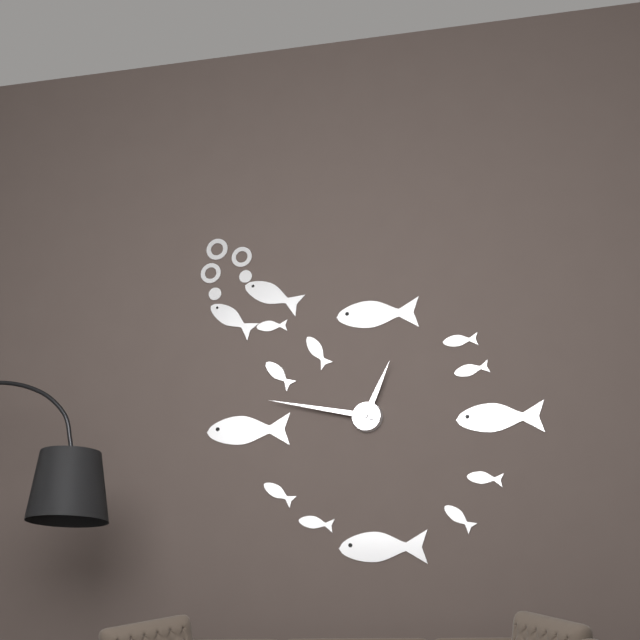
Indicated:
12.47
